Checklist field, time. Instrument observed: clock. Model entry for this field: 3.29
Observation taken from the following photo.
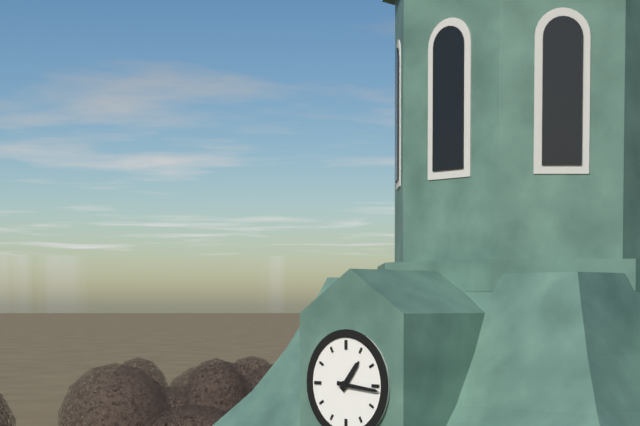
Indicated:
1.16
